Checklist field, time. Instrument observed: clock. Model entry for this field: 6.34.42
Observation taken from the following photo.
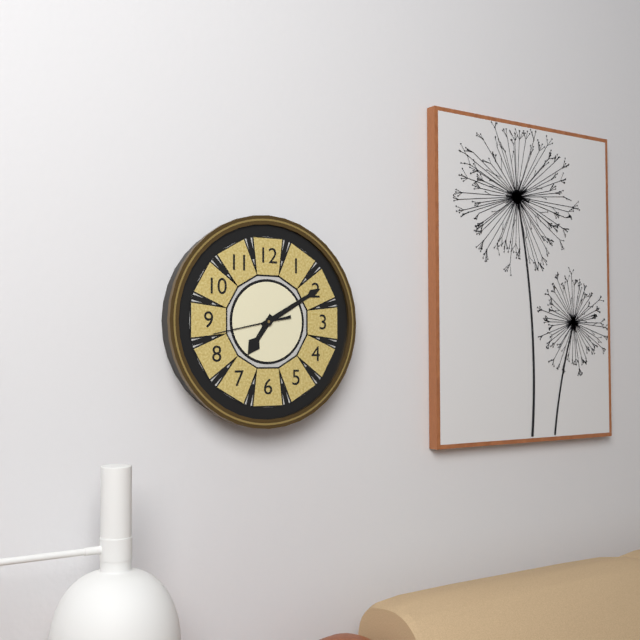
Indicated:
7.10.43
